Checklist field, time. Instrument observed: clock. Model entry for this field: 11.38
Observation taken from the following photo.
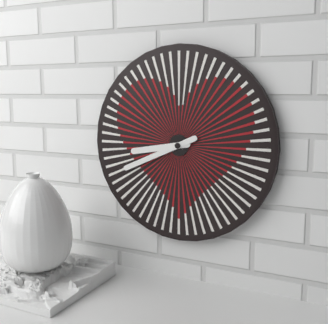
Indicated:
8.41
